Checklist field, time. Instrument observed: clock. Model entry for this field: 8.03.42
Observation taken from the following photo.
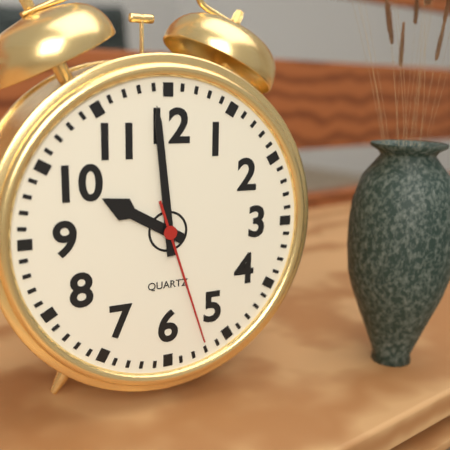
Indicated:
9.59.27
